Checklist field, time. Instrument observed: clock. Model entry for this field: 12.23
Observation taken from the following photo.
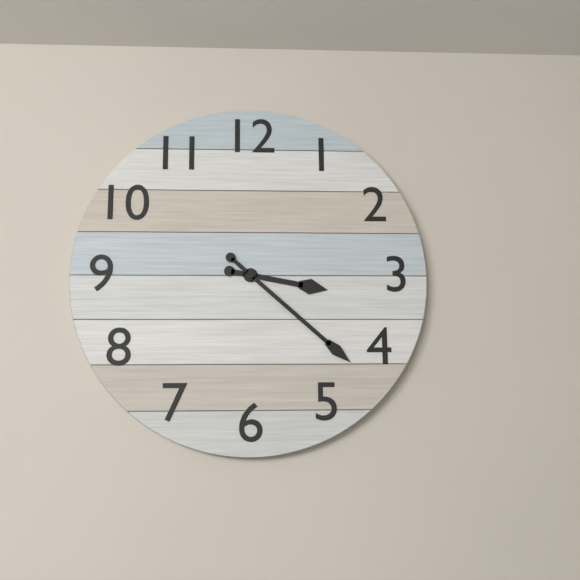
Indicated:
3.22
